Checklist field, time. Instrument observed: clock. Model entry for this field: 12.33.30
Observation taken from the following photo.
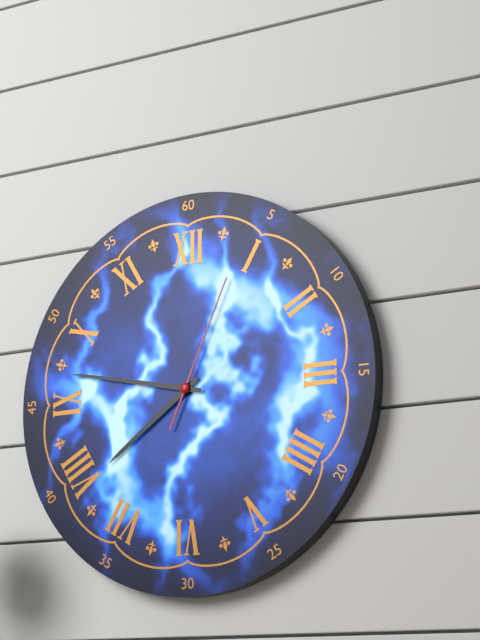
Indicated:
7.47.04
